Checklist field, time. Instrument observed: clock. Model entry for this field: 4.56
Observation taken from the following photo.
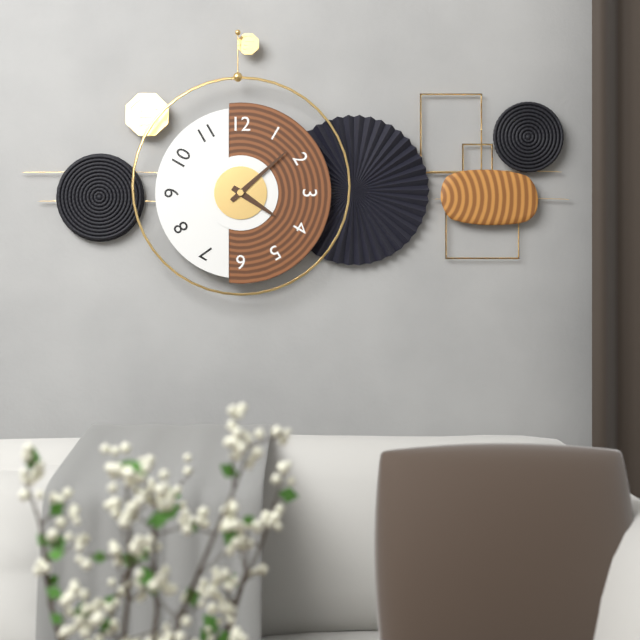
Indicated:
4.08
